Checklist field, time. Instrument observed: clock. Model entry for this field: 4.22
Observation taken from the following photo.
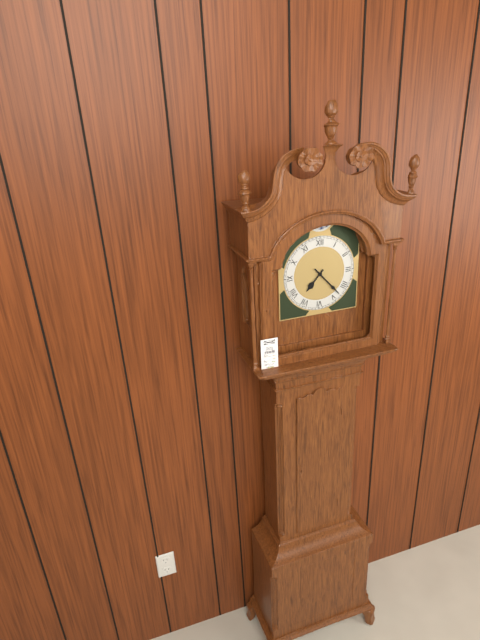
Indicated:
7.23
